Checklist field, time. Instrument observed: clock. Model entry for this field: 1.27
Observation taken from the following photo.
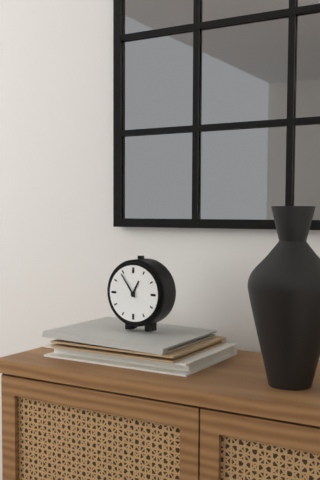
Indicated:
12.54
